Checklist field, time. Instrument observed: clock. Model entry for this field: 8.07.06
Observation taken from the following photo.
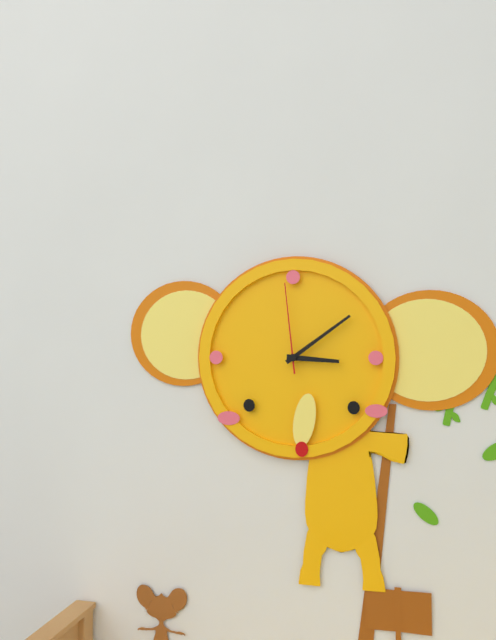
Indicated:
3.09.59
